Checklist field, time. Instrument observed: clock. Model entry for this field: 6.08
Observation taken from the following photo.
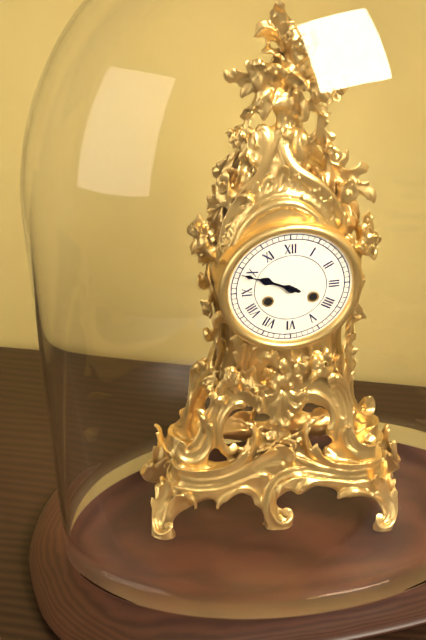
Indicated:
9.49
